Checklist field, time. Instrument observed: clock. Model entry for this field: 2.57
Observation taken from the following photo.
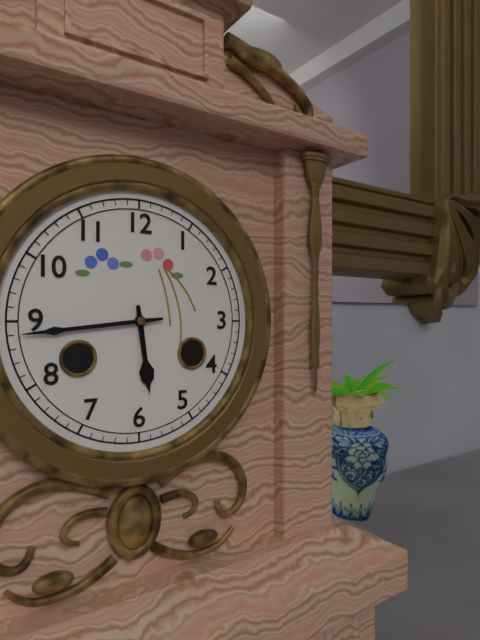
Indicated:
5.44
